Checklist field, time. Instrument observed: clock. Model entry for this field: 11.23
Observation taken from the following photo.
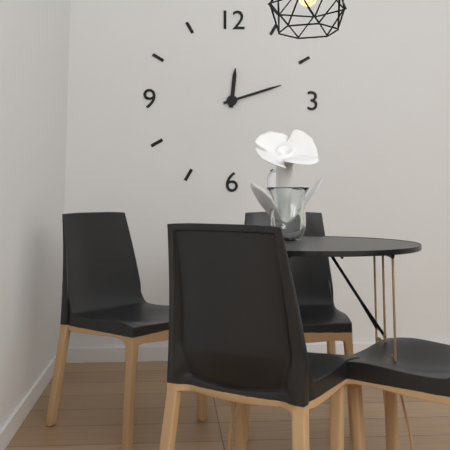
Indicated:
12.12
